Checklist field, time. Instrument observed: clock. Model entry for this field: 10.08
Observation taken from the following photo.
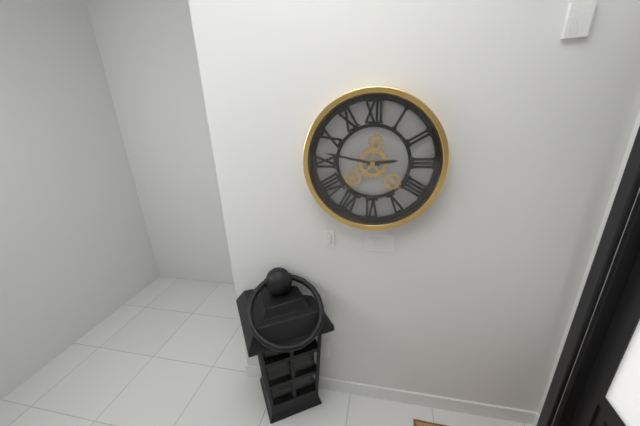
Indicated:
2.47
